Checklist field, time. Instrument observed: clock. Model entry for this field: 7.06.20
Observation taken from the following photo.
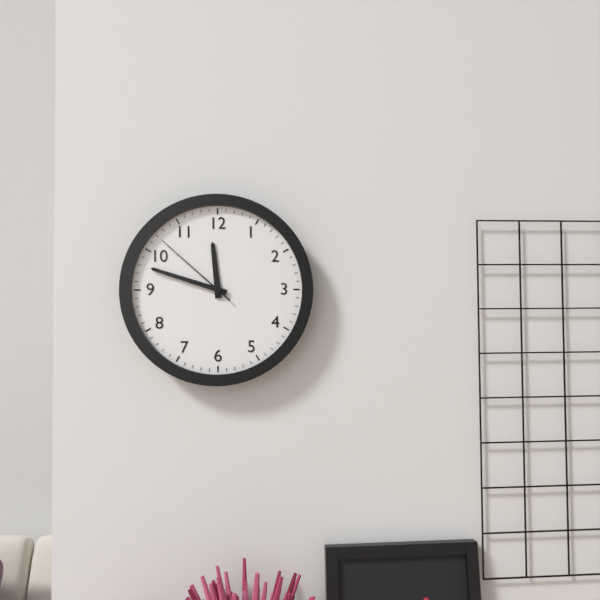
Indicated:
11.48.52
